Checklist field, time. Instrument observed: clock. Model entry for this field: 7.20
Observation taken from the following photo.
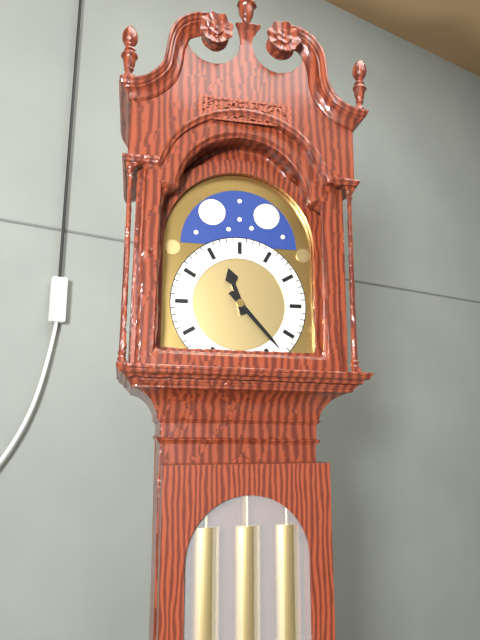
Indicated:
11.23
